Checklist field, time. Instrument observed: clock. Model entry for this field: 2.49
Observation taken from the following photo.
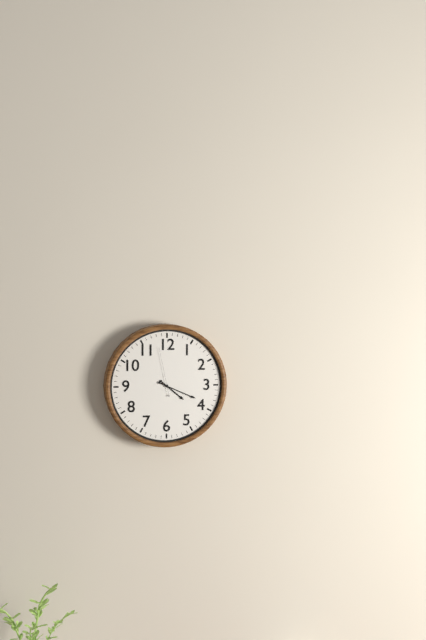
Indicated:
4.19
